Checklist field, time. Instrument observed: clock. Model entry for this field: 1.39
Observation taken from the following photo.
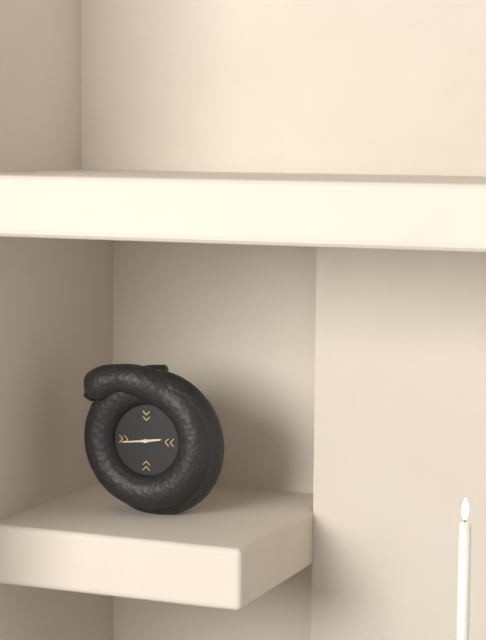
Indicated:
2.44
